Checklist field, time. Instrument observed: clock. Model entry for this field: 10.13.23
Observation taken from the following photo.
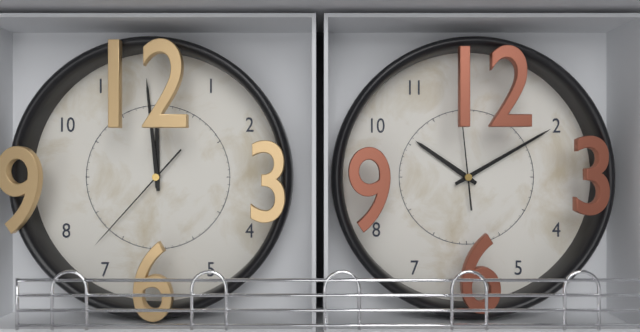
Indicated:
11.59.37
